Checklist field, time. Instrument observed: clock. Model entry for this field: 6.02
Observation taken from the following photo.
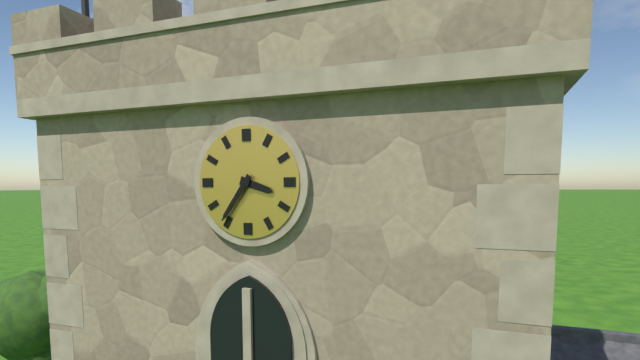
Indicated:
3.36
